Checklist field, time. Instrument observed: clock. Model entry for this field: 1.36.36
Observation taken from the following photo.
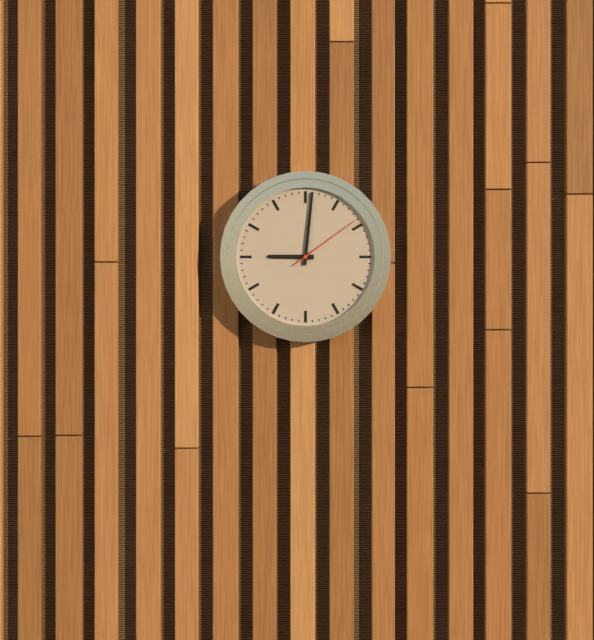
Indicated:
9.01.09
